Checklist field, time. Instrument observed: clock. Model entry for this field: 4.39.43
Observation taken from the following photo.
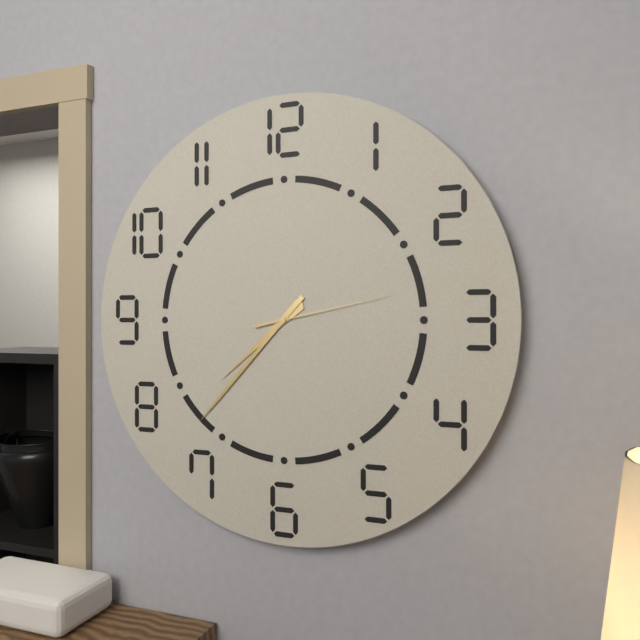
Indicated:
7.37.13
